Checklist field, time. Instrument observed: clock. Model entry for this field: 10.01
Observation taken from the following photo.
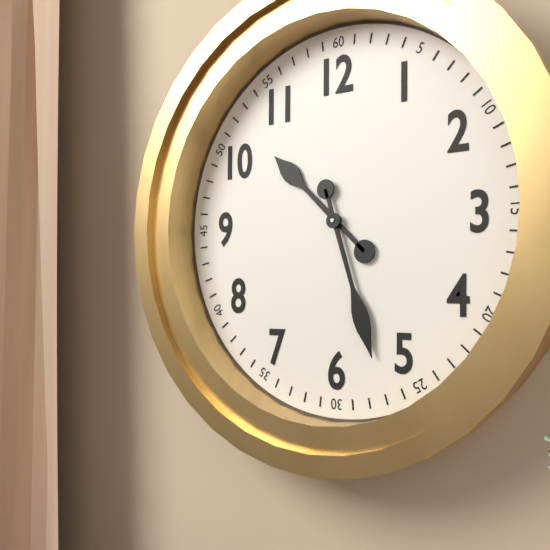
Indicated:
10.27
